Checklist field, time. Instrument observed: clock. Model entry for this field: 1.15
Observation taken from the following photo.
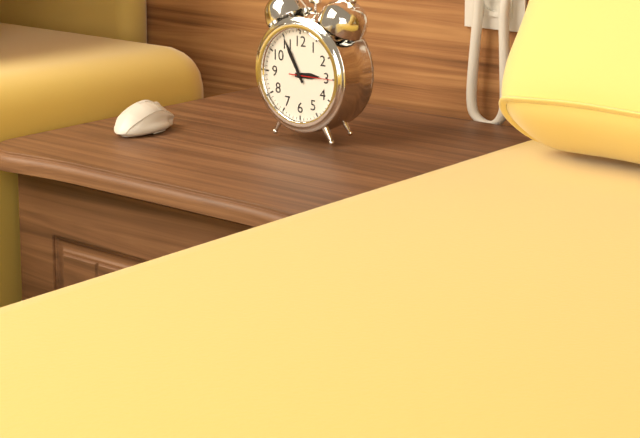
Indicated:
2.55
